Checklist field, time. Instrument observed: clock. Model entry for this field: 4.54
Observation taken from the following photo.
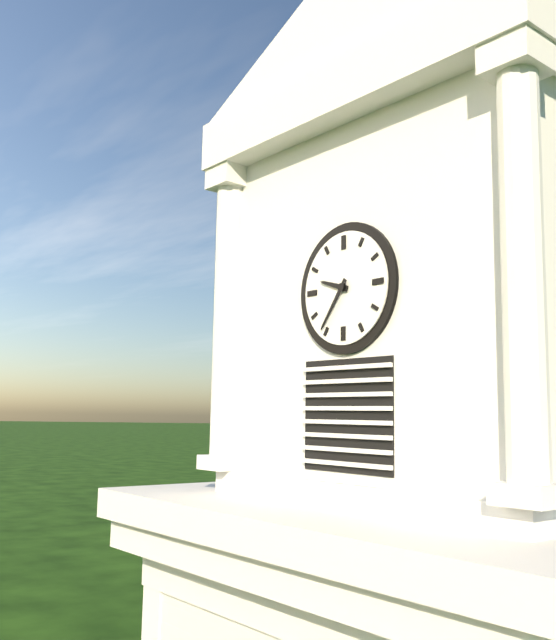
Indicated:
9.36
